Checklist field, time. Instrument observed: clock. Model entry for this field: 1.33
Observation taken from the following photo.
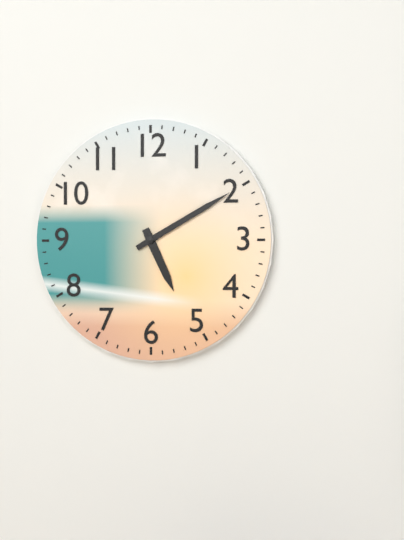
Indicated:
5.10
